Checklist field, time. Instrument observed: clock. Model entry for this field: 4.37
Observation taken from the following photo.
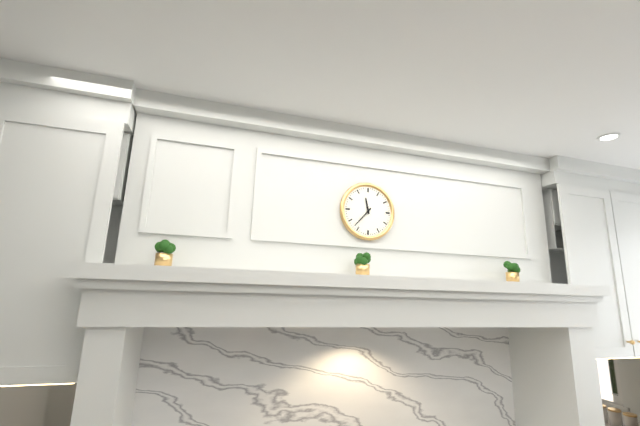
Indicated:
11.37
